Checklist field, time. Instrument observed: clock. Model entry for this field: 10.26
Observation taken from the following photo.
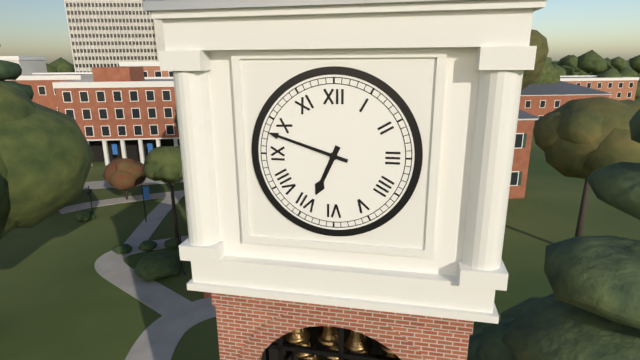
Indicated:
6.48
